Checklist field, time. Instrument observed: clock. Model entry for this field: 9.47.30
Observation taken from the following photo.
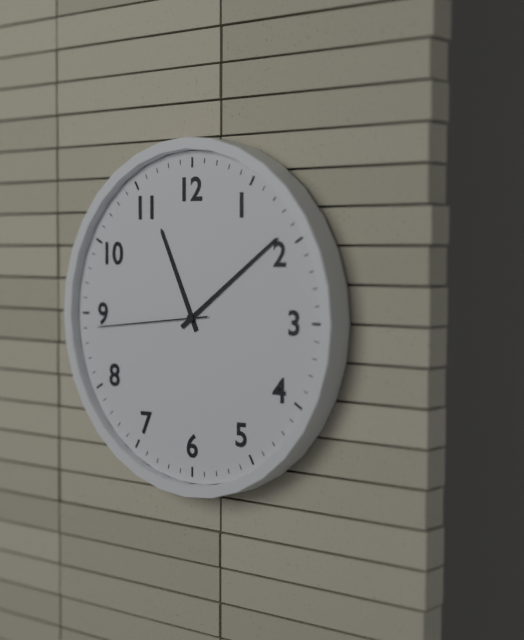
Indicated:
11.09.44
